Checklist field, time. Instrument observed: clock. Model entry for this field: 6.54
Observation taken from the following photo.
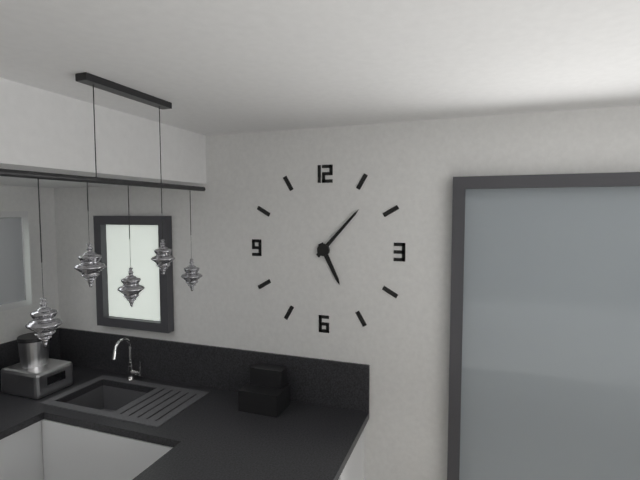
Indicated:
5.07
